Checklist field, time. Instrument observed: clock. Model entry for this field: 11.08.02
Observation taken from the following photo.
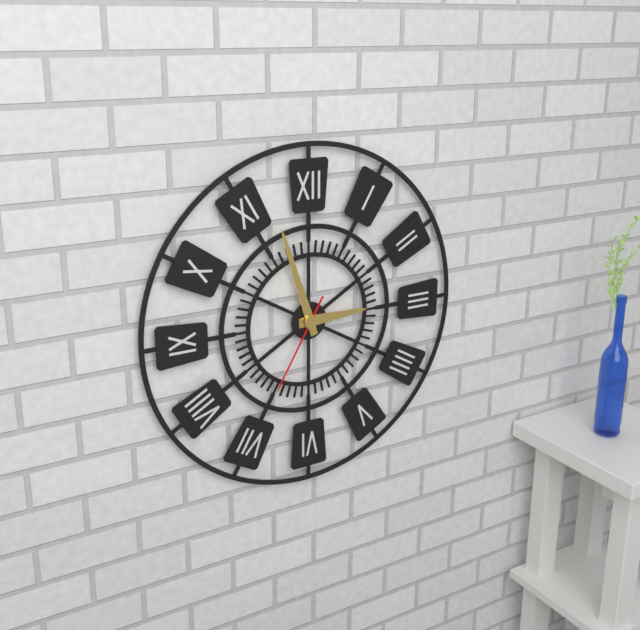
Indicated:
2.57.35
